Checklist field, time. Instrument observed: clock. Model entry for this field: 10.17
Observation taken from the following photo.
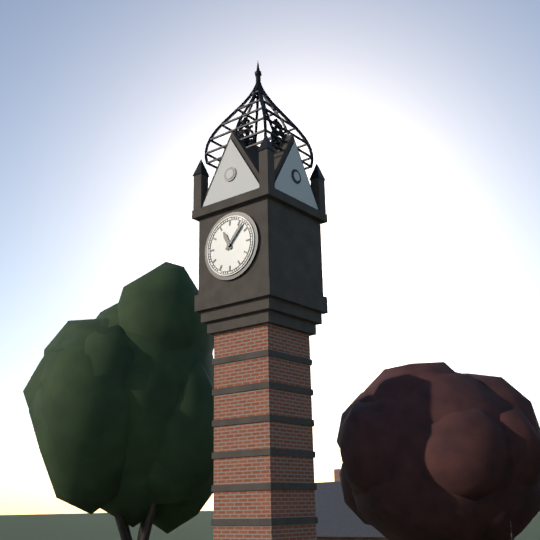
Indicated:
11.07
